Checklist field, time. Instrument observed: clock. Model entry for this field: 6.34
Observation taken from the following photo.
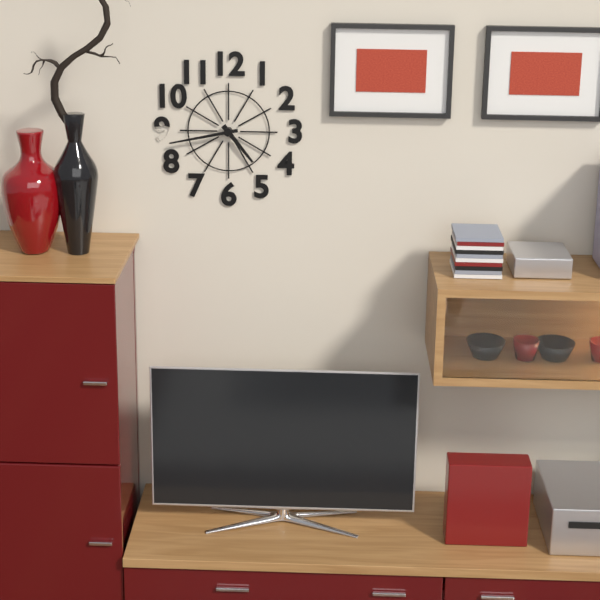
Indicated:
4.43
